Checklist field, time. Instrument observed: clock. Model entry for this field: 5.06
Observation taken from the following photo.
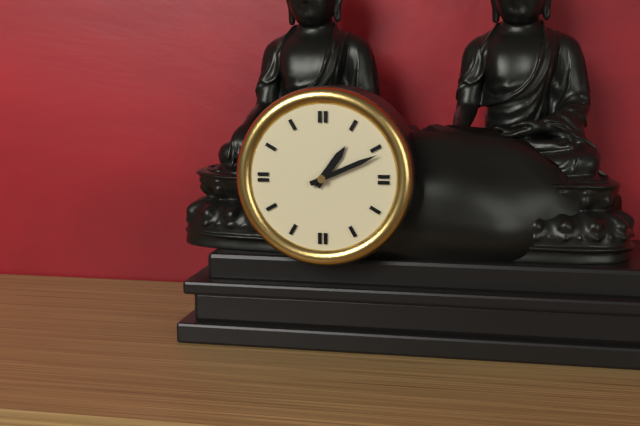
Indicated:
1.11
